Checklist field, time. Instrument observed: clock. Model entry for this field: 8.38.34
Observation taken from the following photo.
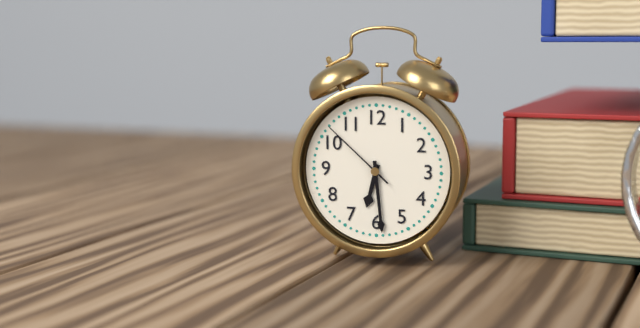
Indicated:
6.29.52
